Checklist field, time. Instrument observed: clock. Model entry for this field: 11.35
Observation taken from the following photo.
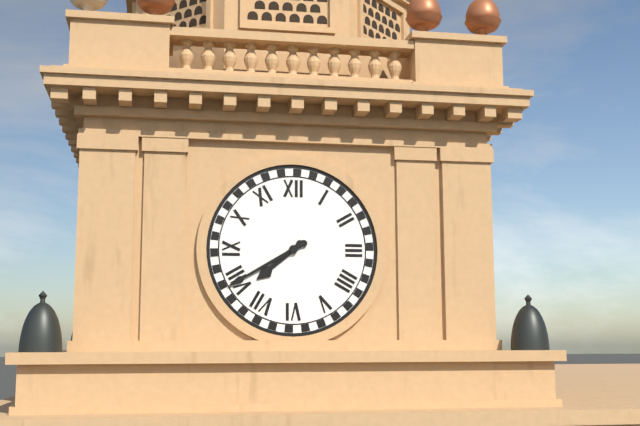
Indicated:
7.40
